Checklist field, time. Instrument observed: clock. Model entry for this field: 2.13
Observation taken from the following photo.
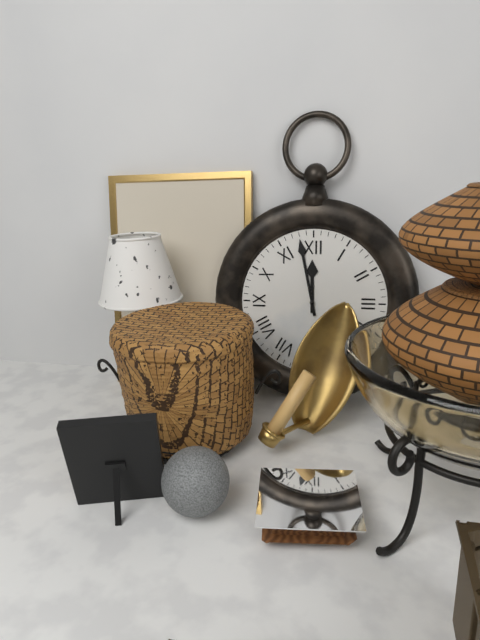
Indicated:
11.58
